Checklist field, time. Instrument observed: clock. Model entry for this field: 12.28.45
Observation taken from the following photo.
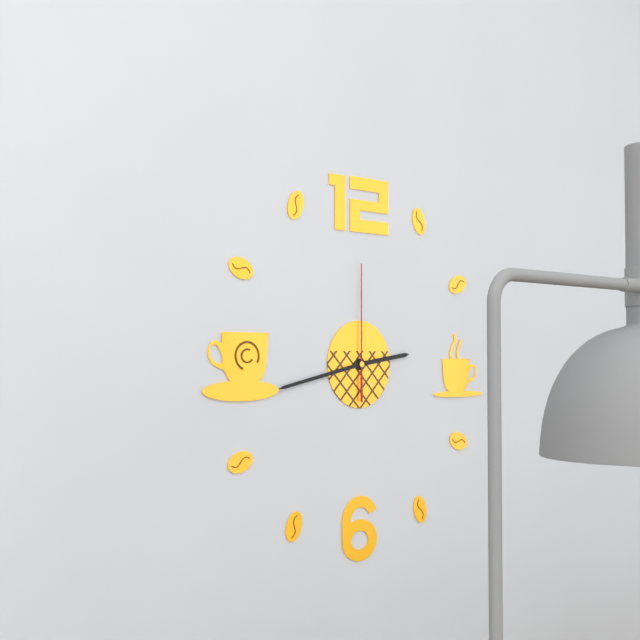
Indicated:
2.43.00
